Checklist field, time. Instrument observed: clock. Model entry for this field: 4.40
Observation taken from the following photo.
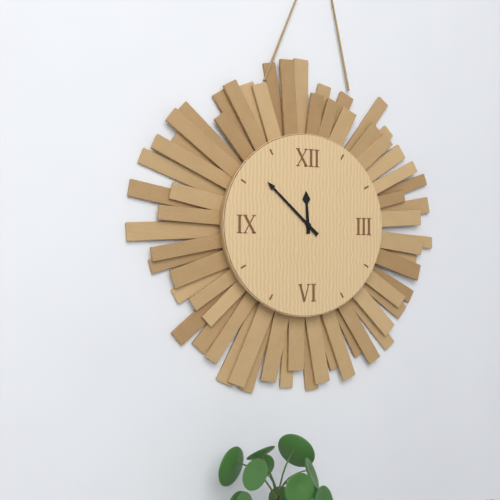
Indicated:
11.52
